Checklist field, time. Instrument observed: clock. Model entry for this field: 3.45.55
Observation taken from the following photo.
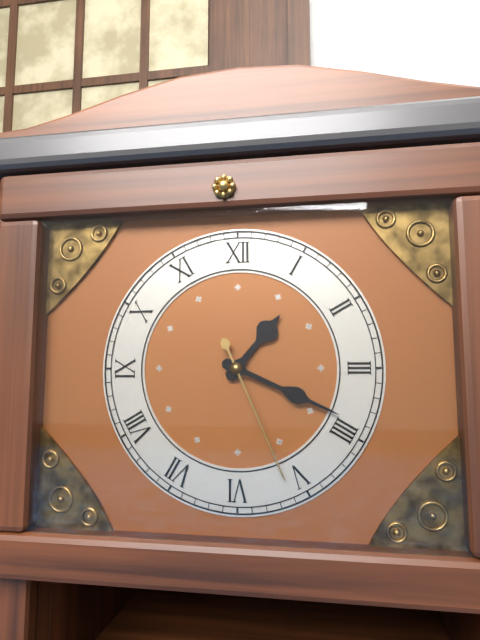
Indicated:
1.19.26
